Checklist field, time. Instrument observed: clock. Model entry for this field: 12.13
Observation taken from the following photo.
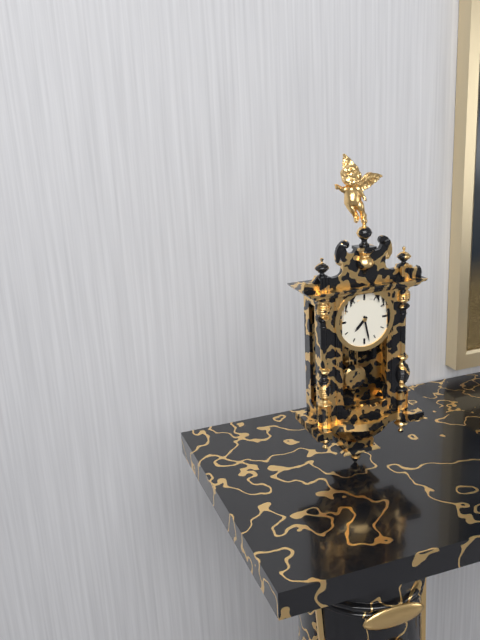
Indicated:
7.28
